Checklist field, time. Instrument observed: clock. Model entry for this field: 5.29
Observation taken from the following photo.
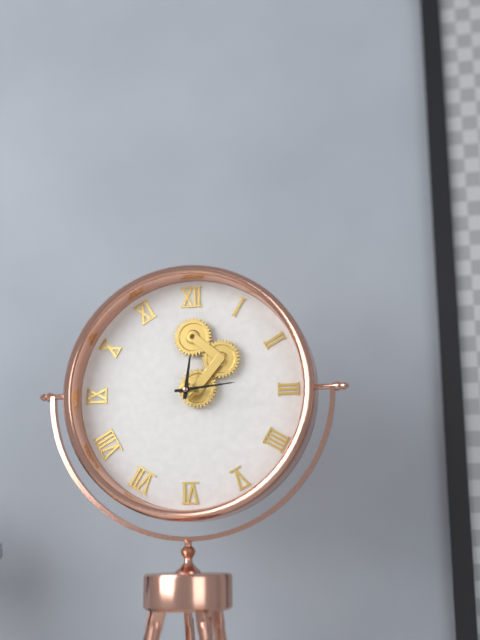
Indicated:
12.14
